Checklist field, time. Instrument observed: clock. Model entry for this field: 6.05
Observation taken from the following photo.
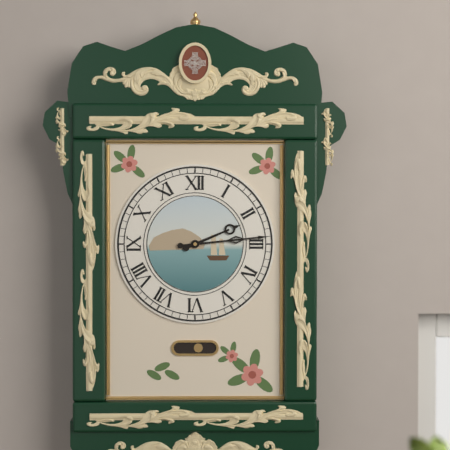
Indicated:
2.14
